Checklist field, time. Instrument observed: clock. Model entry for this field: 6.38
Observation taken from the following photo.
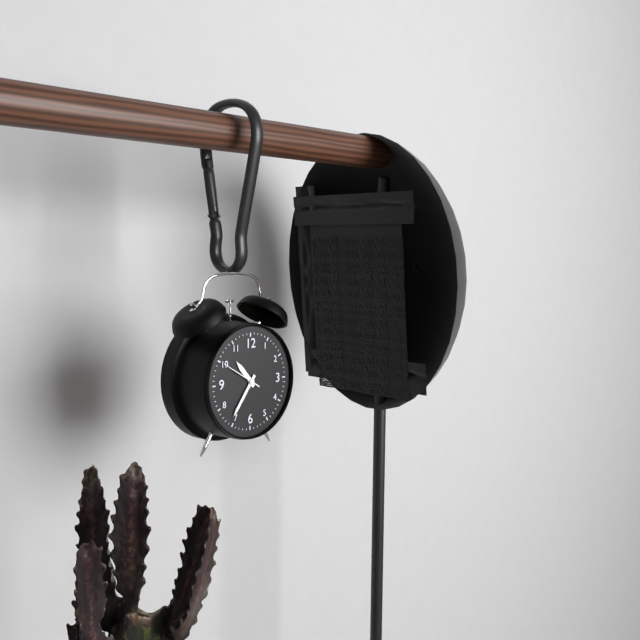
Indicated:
10.36
